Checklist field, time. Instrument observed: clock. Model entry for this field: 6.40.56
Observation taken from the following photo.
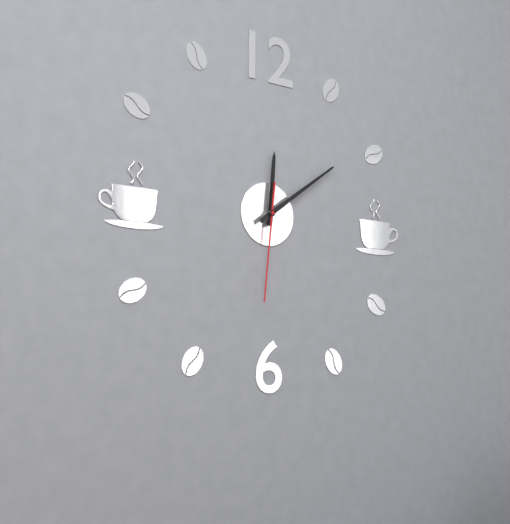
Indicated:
12.09.31
